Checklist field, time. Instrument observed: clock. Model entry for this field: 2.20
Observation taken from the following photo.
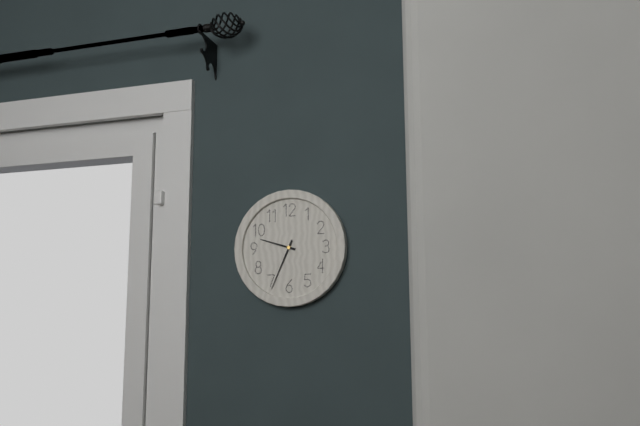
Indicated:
9.34
